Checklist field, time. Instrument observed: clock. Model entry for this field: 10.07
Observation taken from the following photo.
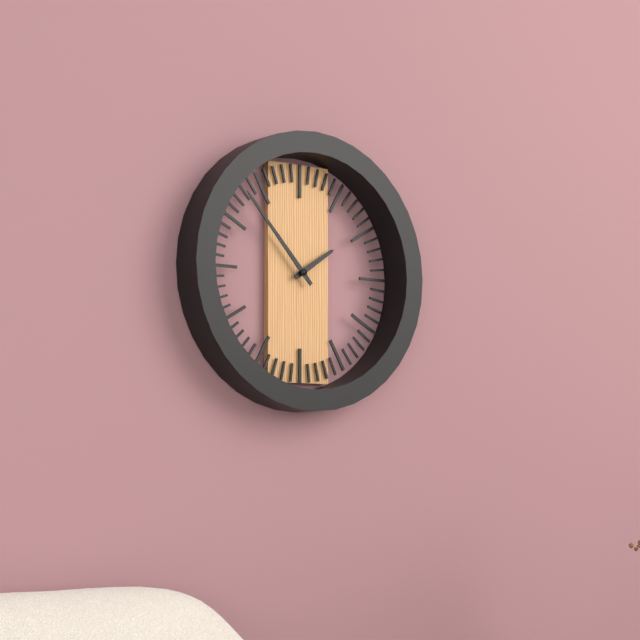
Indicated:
1.53
